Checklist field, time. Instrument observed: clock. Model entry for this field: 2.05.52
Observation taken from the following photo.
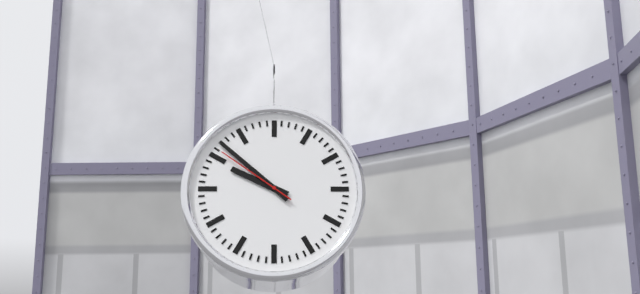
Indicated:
9.52.51
